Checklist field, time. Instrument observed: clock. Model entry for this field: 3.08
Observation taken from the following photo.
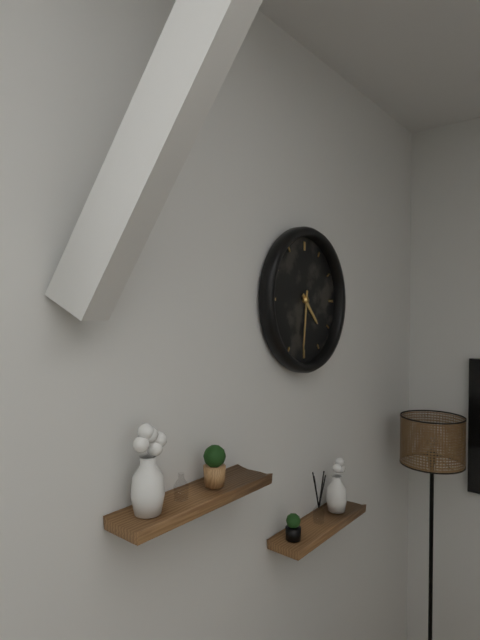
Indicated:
4.31
